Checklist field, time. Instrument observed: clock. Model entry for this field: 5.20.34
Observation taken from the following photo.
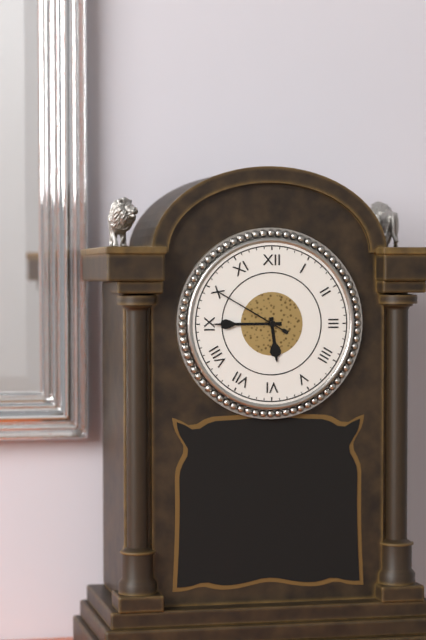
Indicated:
5.45.50
